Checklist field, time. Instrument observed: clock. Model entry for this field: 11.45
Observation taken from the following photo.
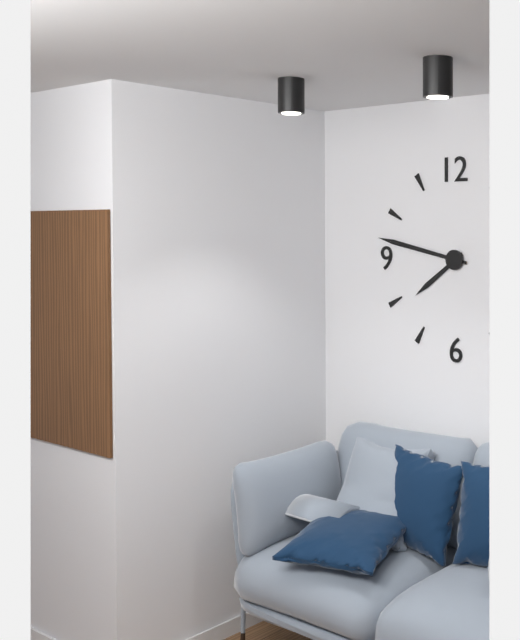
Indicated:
7.47
